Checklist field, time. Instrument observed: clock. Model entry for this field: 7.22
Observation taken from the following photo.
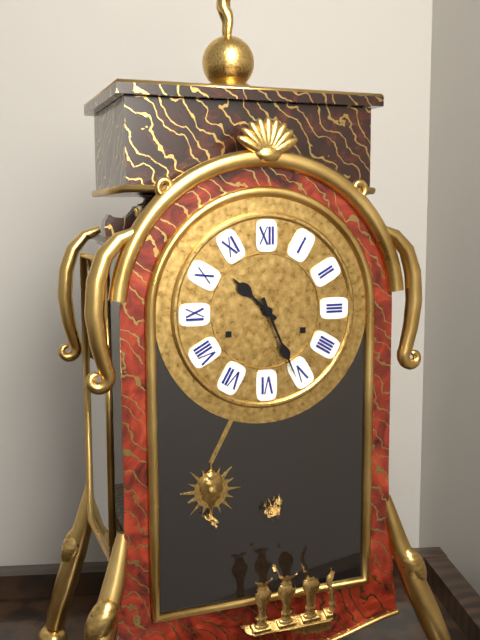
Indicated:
10.26
